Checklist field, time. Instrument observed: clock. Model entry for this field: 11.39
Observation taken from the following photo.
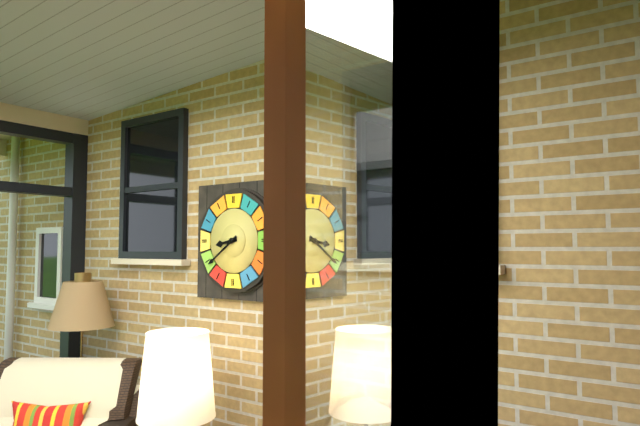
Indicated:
8.39
